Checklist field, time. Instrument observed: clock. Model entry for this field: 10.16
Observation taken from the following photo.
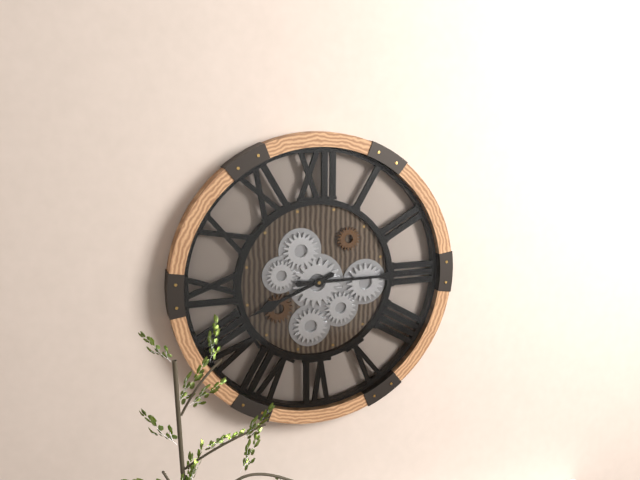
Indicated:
8.15
